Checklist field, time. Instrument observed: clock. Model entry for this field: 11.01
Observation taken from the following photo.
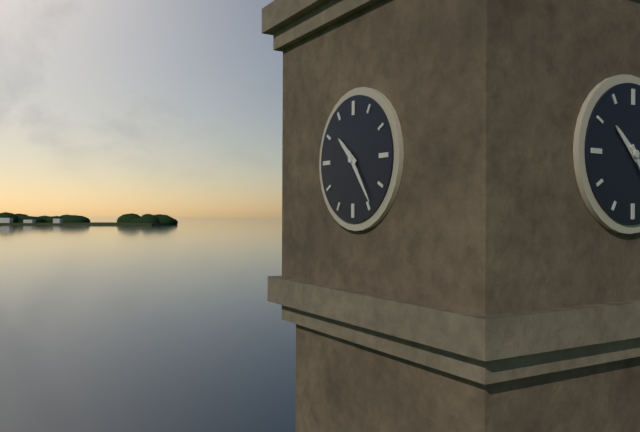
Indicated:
10.24
